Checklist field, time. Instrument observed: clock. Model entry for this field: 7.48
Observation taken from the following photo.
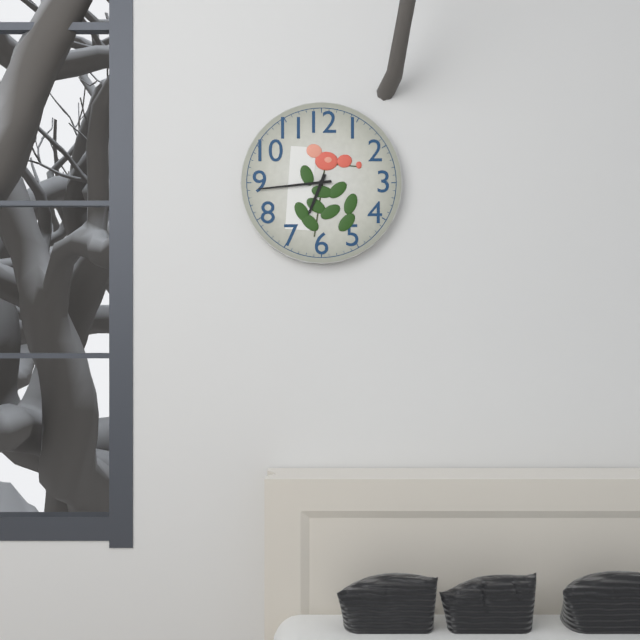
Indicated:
6.44
